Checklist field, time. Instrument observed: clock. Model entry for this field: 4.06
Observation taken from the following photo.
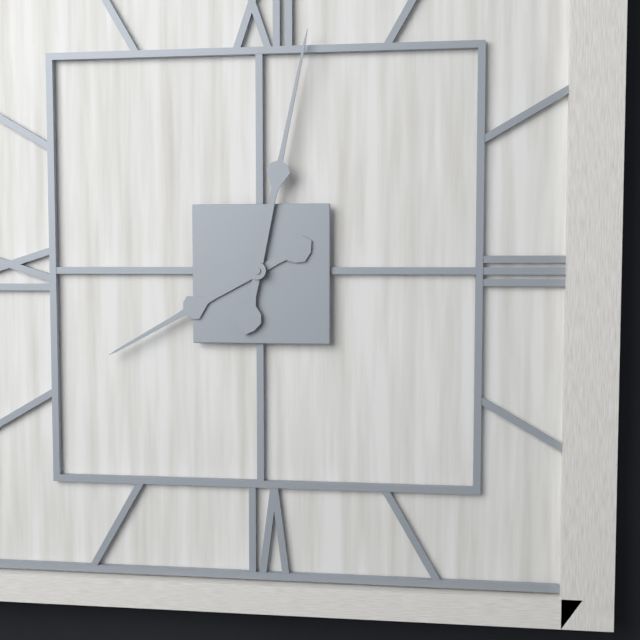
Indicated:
8.02
